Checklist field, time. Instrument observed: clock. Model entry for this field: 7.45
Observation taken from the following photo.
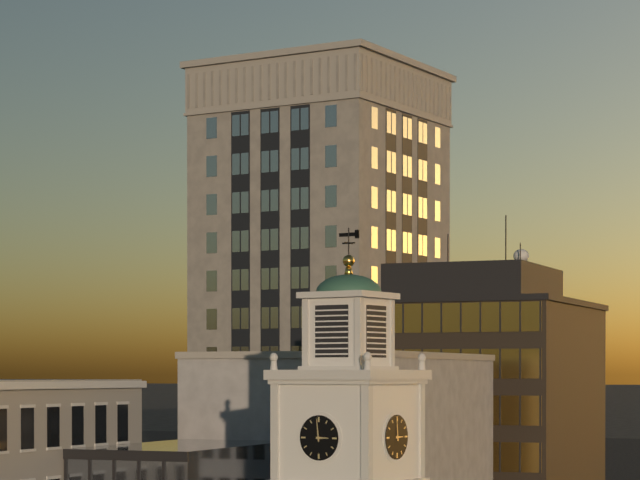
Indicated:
2.59
